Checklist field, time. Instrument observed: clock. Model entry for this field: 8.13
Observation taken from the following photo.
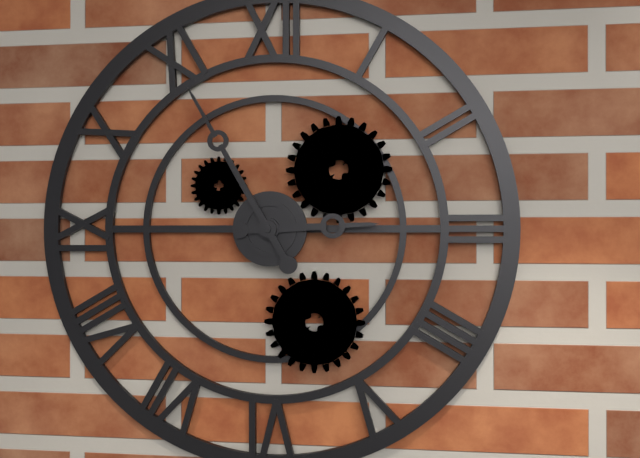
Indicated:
2.55
